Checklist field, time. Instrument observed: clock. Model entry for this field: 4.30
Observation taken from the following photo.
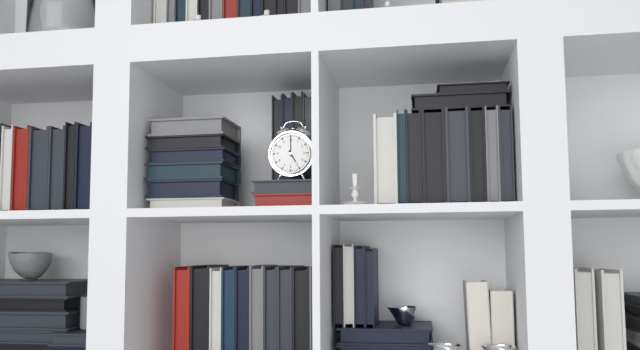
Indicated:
5.00
